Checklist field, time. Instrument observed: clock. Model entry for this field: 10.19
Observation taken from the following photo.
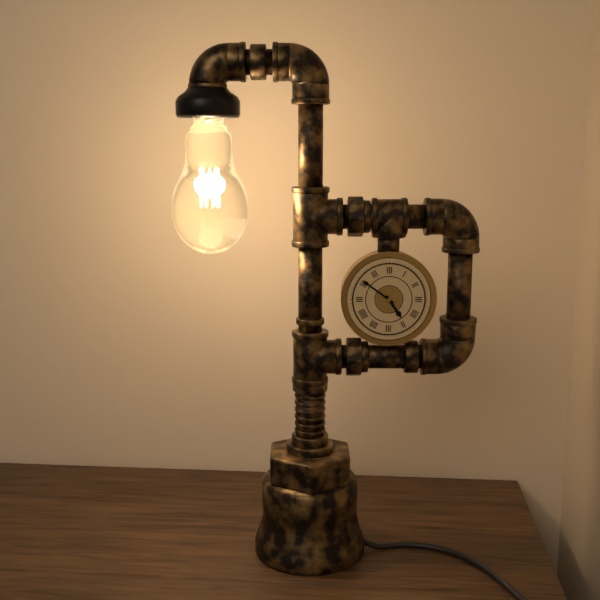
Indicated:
4.51
